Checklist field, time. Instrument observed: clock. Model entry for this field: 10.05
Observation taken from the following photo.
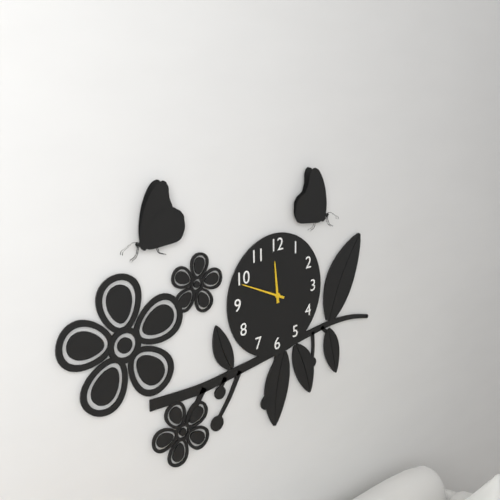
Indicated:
11.49
